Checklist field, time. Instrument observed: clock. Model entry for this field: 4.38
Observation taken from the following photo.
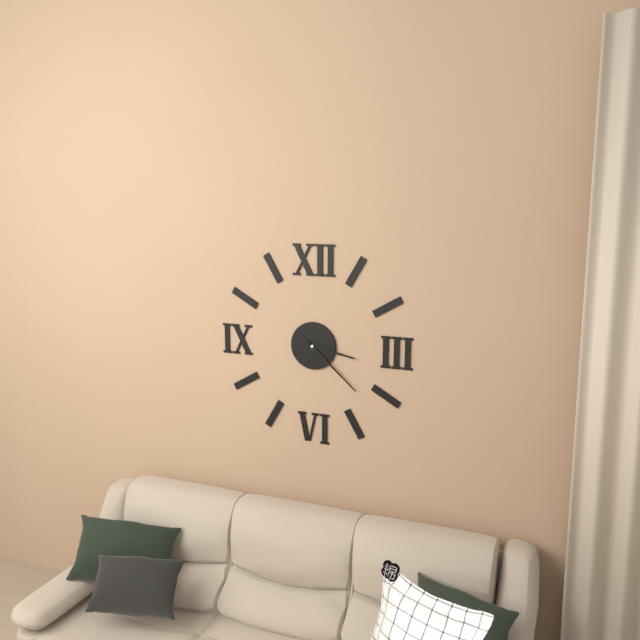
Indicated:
3.22
